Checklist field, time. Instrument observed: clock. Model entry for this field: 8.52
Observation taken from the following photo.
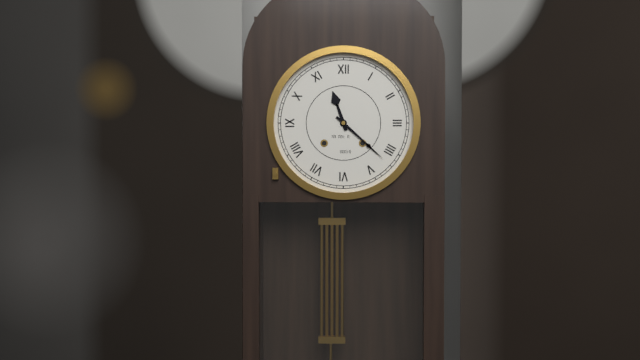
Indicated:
11.22
